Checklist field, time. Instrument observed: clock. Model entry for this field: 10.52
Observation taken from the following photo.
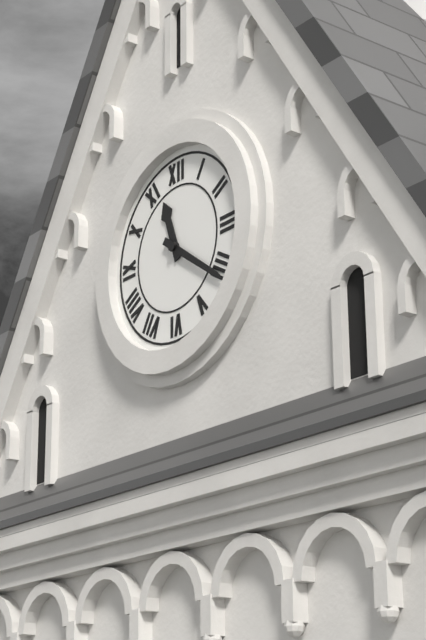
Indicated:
11.21
